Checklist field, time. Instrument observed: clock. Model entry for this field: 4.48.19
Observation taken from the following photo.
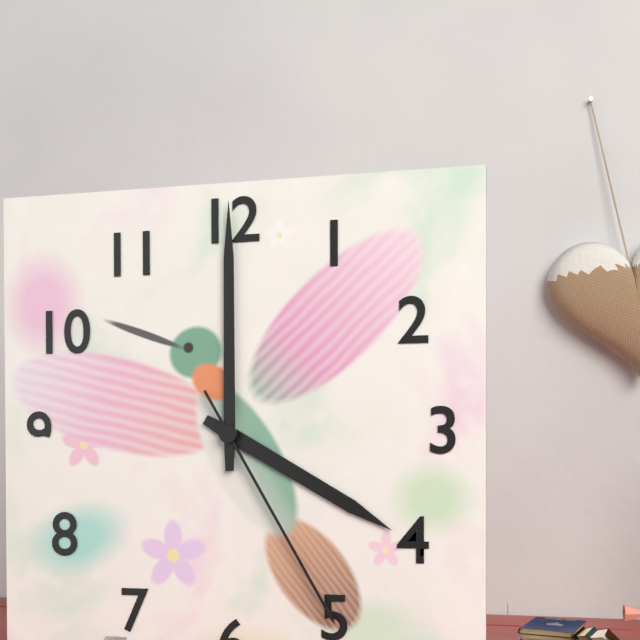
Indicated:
4.00.25
